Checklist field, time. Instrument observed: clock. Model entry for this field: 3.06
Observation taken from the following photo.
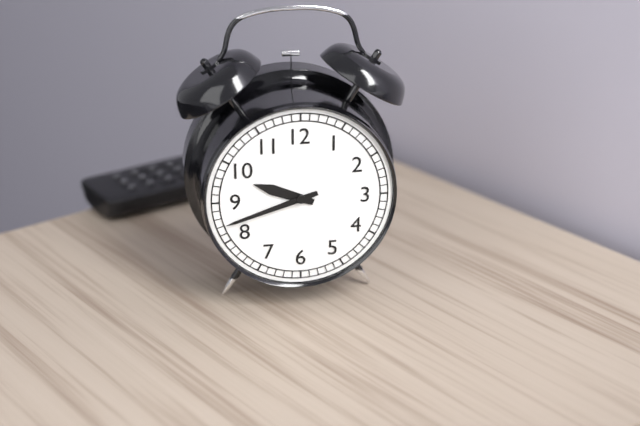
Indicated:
9.42
